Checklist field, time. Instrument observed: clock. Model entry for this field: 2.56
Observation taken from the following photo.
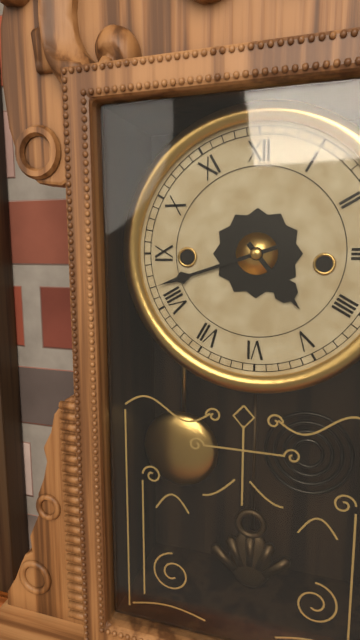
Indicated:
4.42
